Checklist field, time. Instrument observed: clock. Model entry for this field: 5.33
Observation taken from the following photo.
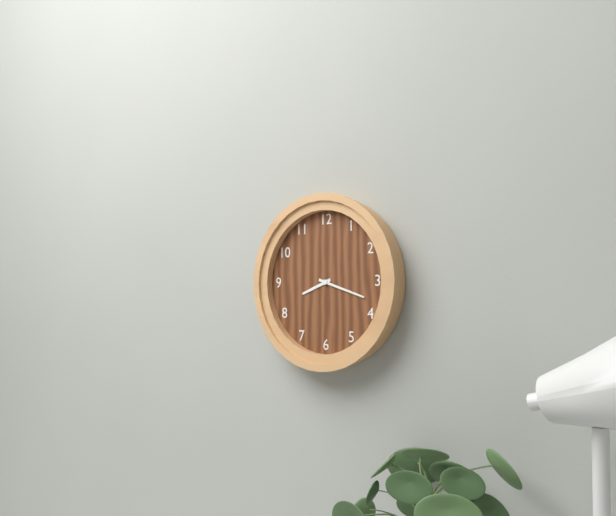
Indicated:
8.18
